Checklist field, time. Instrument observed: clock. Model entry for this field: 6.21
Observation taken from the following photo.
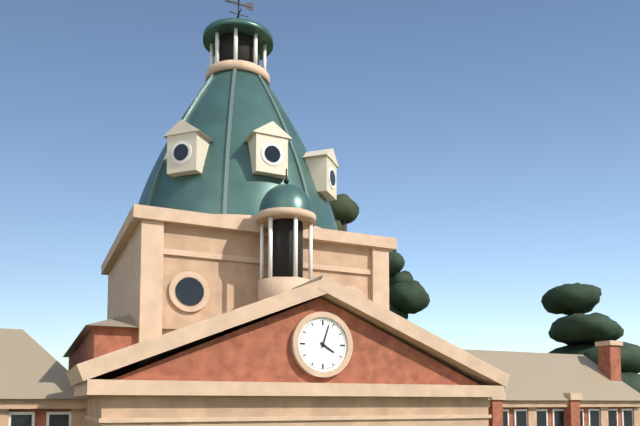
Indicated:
4.03
